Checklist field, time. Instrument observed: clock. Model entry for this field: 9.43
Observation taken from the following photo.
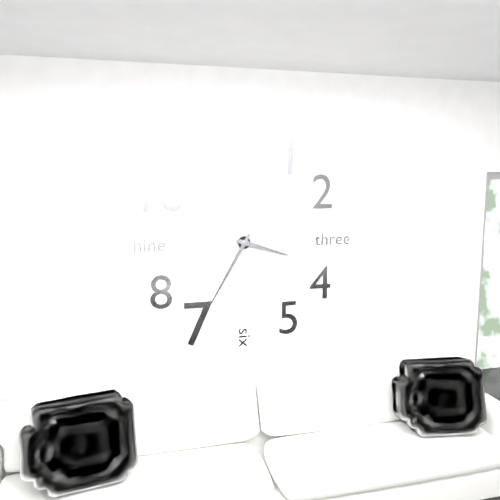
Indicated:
3.35
